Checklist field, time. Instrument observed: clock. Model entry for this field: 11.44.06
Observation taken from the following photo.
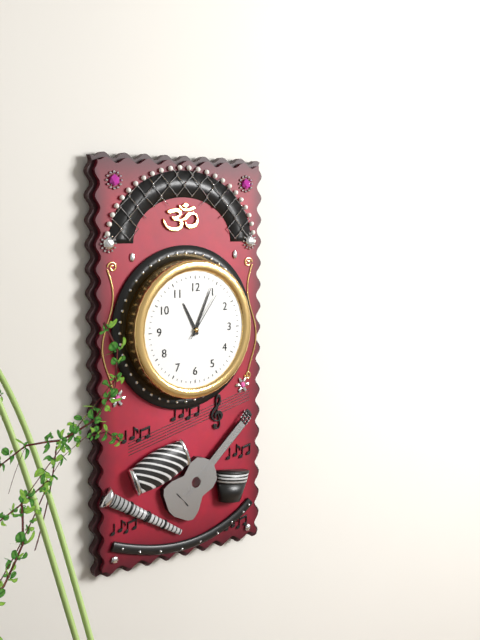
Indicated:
11.04.06
